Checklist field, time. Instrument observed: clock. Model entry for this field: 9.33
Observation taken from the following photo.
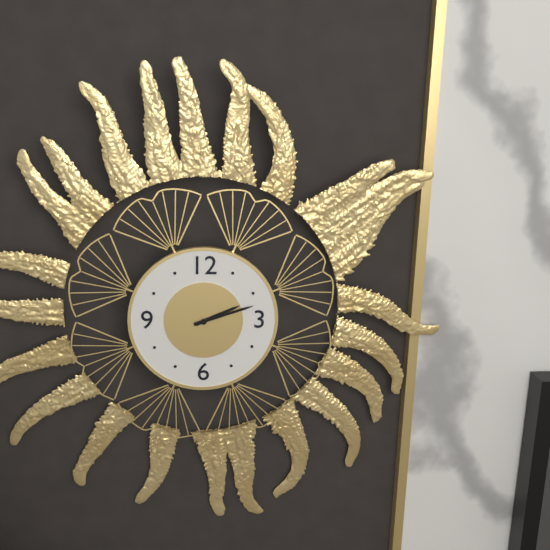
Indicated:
2.12
